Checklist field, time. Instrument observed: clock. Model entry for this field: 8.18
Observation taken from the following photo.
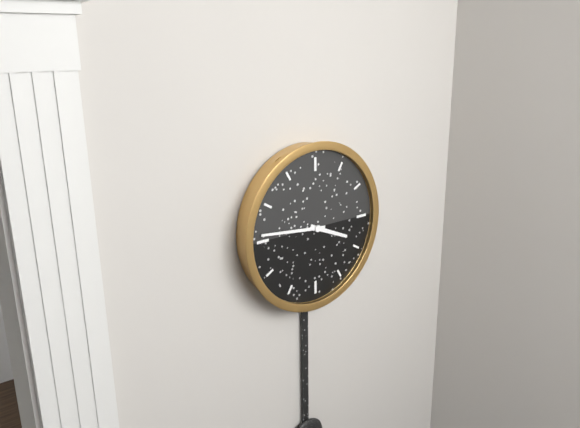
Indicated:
3.46
